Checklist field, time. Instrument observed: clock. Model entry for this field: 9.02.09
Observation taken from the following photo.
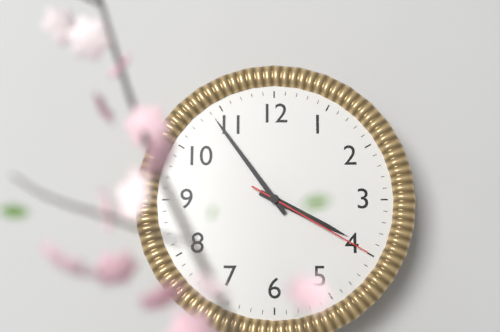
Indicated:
3.54.20
